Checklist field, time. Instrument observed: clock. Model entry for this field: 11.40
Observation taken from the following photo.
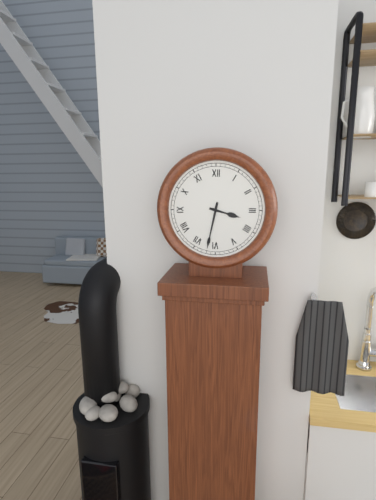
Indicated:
3.32
